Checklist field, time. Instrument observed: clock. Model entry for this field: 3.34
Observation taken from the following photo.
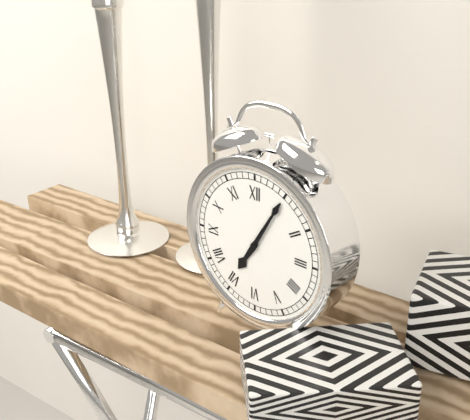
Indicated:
7.05
